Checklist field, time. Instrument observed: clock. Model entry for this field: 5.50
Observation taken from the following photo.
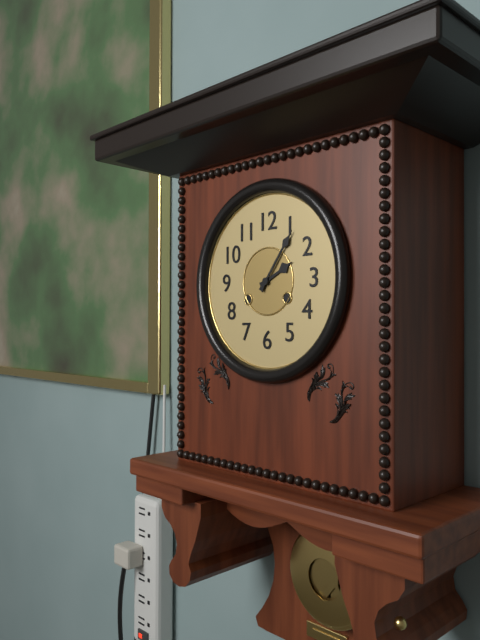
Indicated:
2.06
